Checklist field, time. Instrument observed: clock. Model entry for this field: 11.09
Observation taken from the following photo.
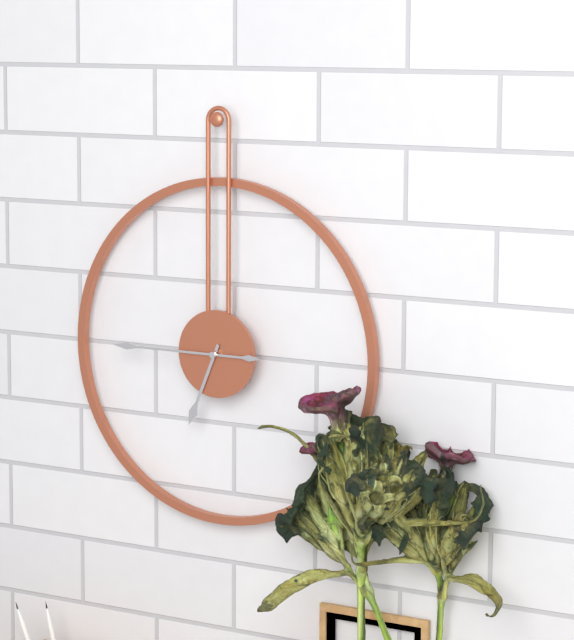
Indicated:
6.45
